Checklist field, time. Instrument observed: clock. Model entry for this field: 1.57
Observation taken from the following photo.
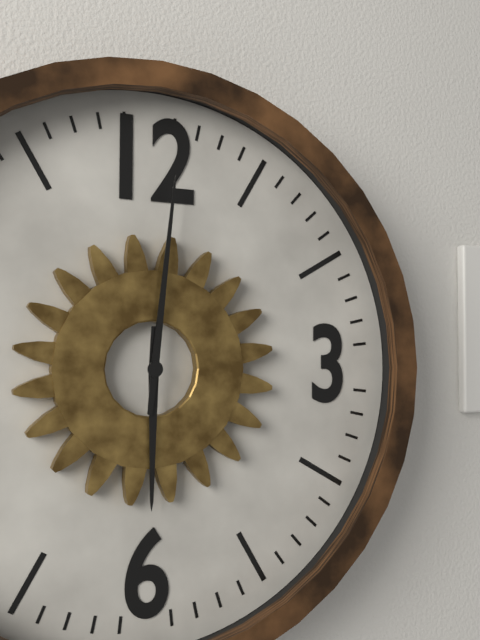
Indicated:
6.01
